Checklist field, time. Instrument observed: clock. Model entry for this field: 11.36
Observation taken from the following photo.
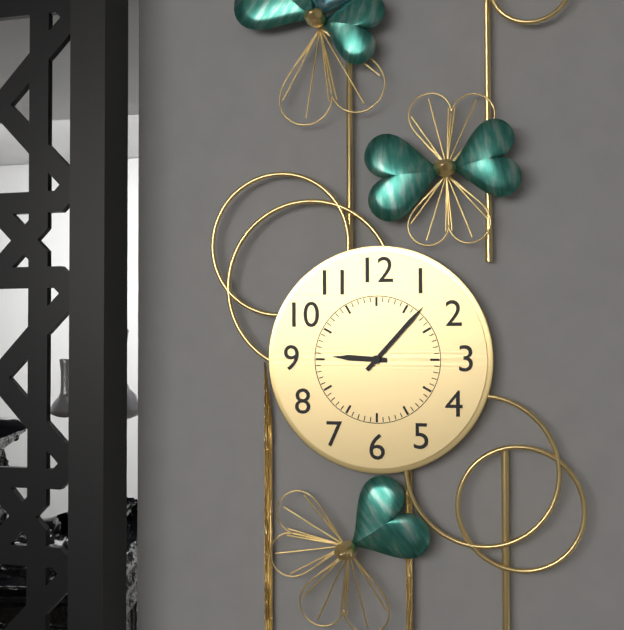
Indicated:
9.07
